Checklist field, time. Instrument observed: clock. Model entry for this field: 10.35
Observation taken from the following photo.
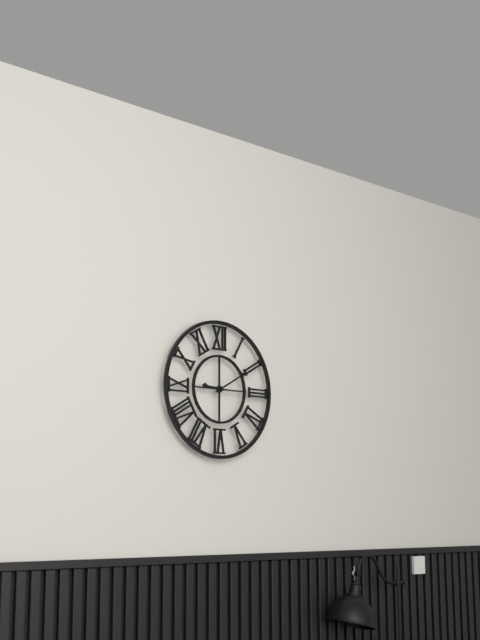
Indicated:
9.10
